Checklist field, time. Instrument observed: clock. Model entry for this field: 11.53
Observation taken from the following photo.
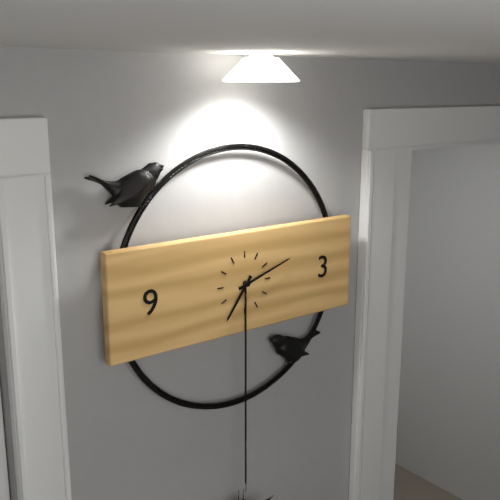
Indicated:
7.12
